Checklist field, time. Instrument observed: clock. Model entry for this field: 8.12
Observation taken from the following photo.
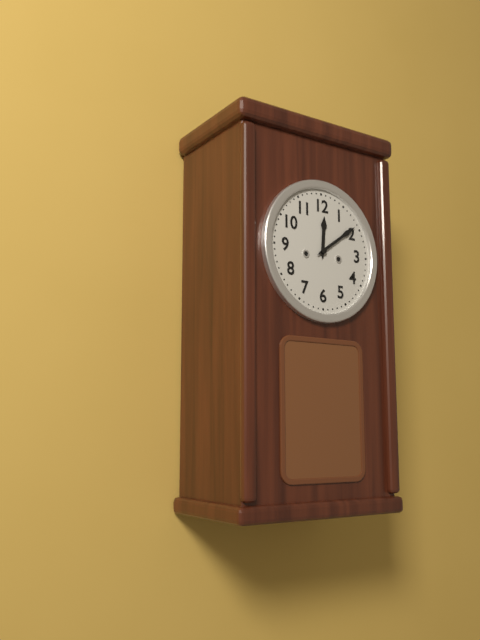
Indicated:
12.09
